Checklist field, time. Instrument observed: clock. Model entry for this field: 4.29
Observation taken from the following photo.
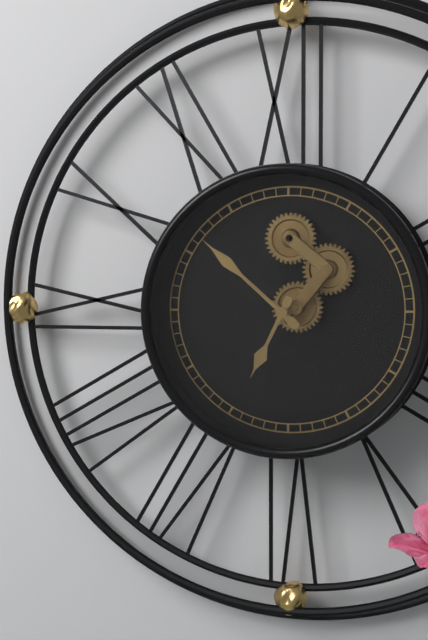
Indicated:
6.52
